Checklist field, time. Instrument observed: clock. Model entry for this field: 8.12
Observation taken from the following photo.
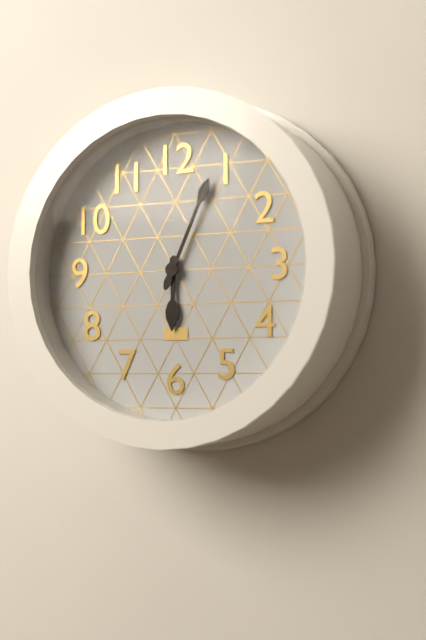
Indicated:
6.04
